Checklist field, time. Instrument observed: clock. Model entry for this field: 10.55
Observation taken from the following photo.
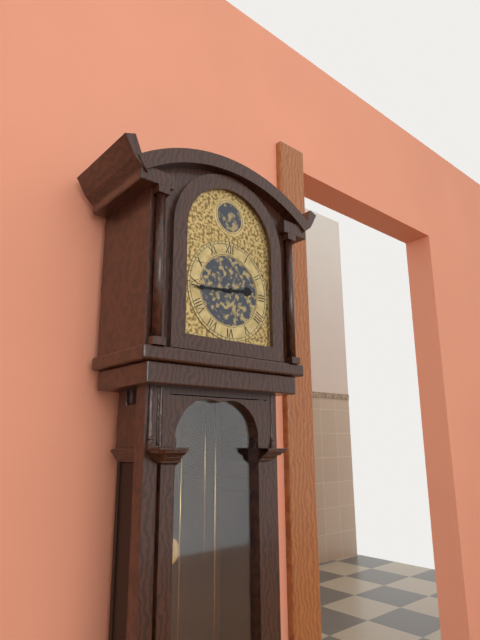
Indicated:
2.44
